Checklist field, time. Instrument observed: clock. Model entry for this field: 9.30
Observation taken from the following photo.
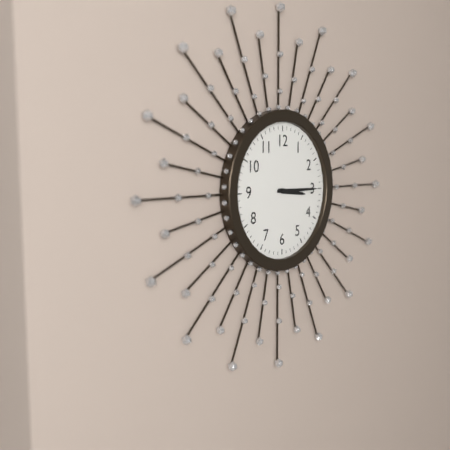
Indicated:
3.15
